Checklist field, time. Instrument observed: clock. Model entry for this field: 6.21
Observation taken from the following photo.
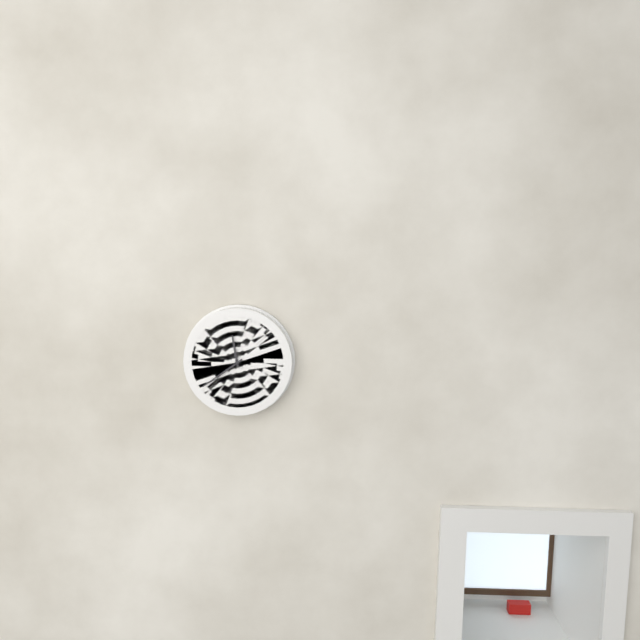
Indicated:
11.39
